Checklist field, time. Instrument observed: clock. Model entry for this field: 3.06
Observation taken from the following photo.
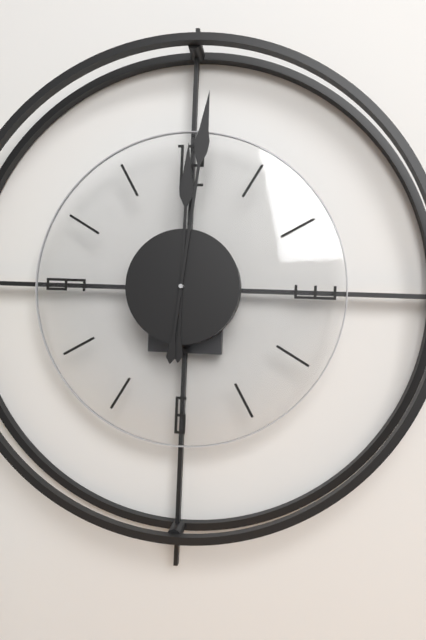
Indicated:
12.01
